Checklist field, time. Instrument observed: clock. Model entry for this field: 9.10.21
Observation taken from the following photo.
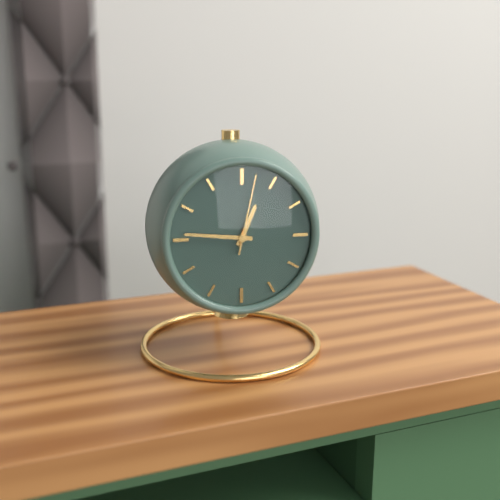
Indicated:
12.46.02
